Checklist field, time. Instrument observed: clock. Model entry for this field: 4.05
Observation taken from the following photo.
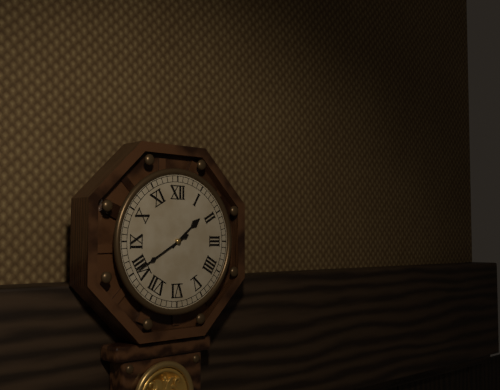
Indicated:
1.40
